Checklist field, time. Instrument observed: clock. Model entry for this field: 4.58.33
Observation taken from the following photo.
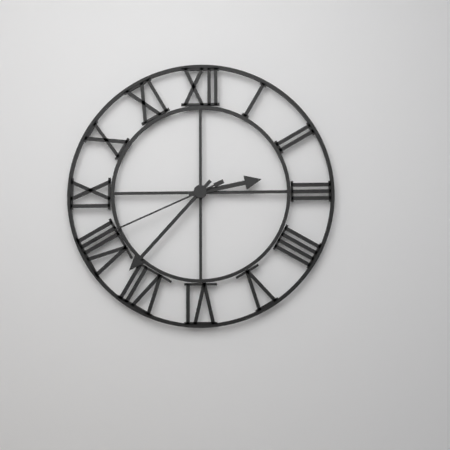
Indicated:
2.37.41
